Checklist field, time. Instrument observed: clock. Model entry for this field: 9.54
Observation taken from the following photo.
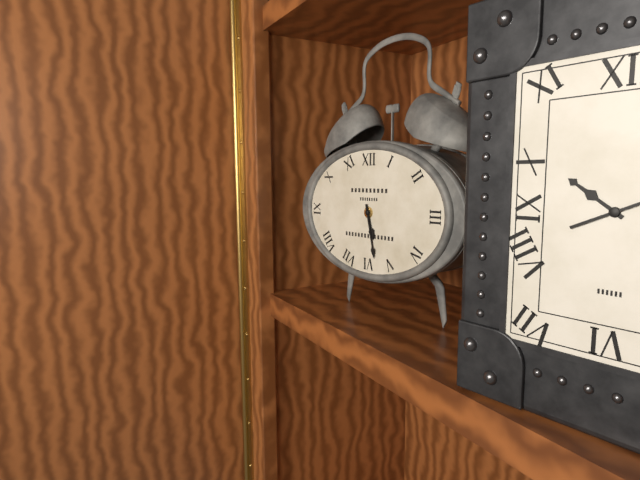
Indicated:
5.28
